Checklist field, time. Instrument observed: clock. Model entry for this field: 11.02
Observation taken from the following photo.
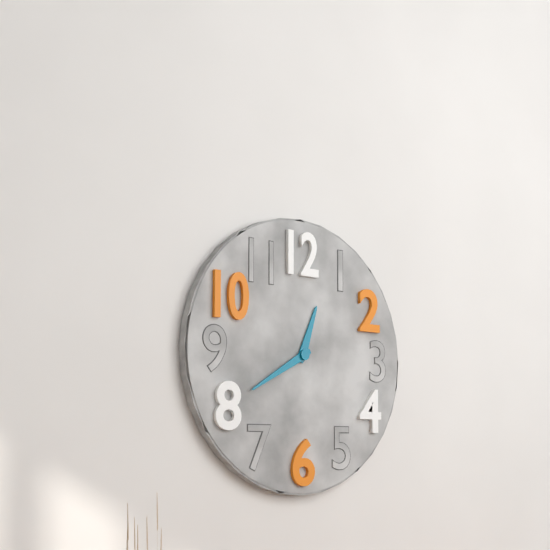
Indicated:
12.40
